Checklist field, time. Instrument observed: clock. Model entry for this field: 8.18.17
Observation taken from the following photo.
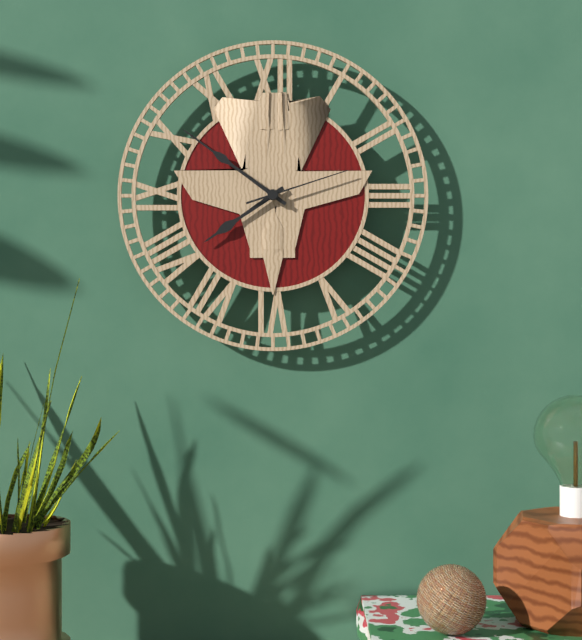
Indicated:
7.51.12
